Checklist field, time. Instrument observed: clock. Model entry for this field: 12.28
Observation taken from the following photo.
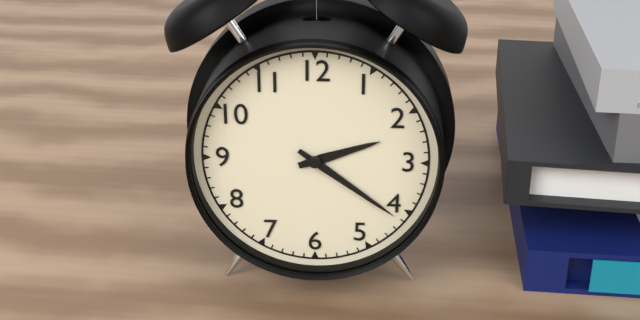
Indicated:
2.21
